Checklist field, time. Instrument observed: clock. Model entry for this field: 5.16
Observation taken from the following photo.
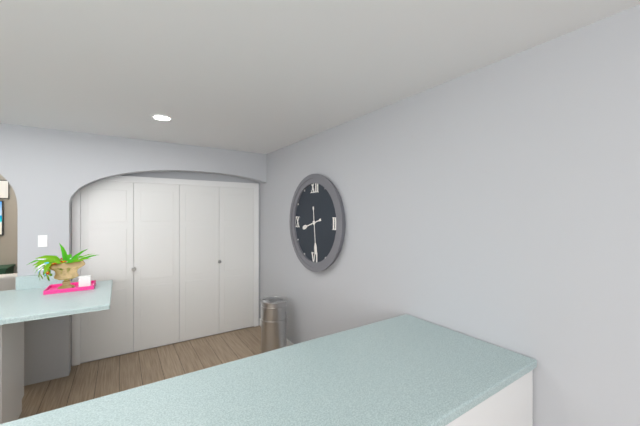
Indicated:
8.29
